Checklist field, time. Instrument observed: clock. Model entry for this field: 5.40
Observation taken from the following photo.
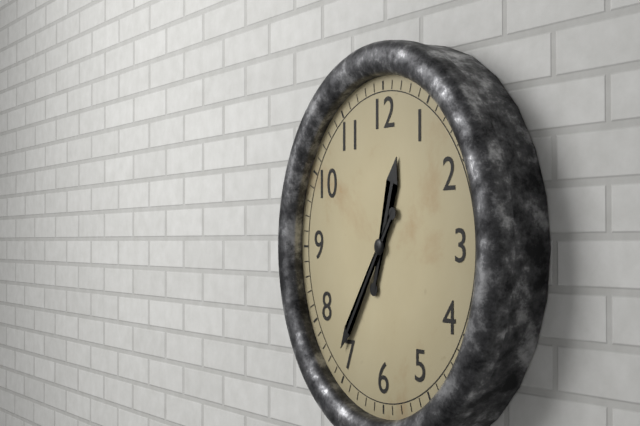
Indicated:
12.36
